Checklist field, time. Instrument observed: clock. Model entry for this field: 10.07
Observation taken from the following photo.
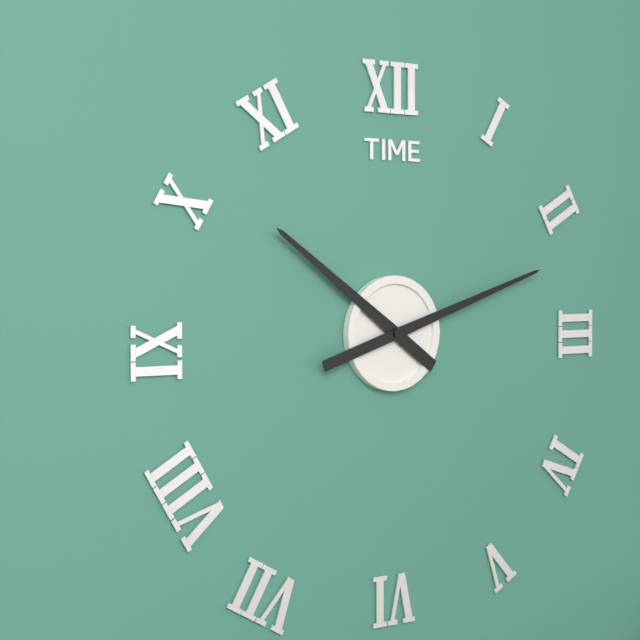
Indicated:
10.12
